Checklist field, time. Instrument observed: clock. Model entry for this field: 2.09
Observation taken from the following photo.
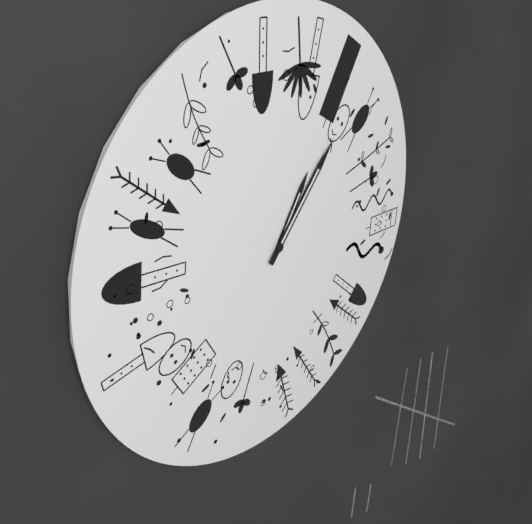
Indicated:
1.07
